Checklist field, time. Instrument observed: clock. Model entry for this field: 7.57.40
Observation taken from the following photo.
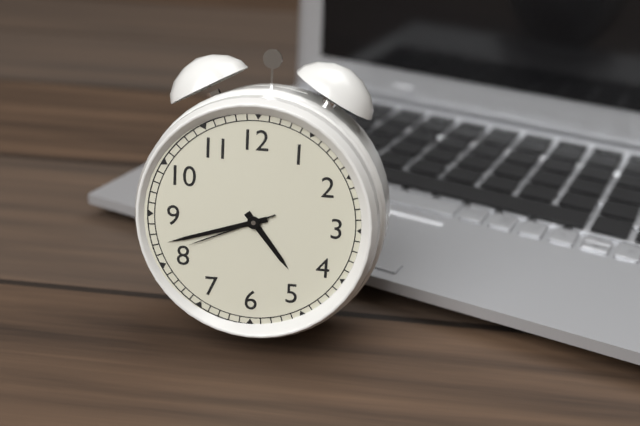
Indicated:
4.42.41
